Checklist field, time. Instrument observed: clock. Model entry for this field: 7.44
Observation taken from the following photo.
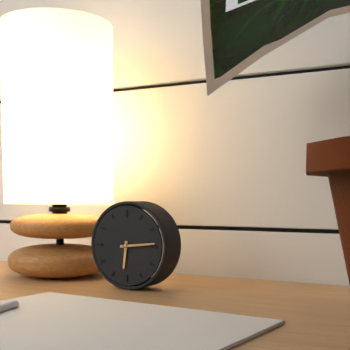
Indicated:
6.14
